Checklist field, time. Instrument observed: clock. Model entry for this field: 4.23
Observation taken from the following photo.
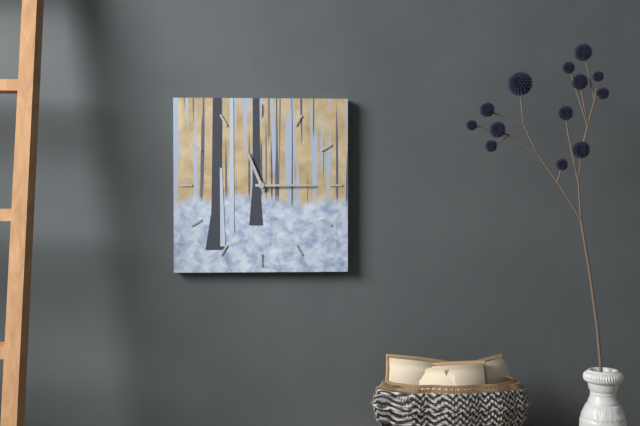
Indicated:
11.15
